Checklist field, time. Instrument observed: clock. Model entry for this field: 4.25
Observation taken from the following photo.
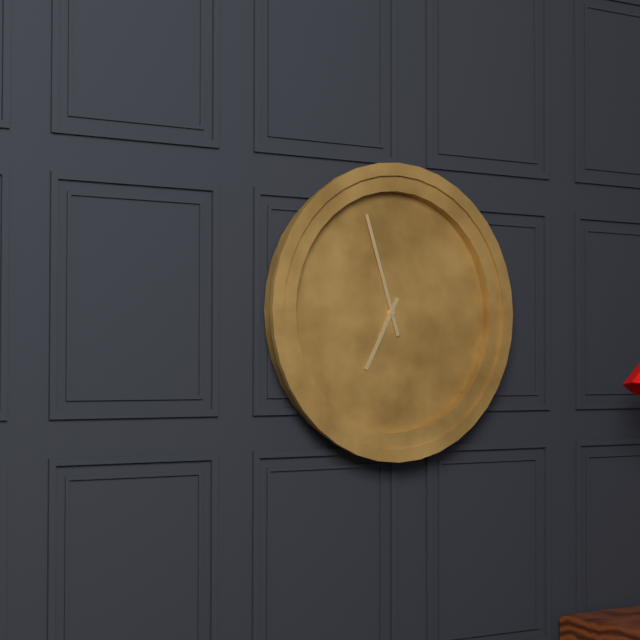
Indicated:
6.57
